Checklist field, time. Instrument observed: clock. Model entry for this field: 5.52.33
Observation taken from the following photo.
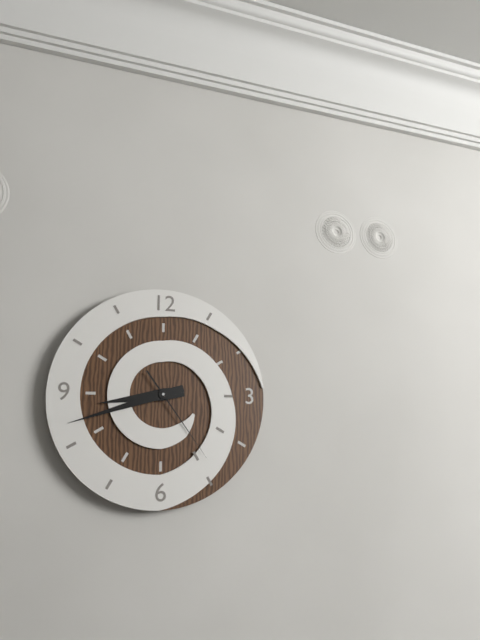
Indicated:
8.42.24
